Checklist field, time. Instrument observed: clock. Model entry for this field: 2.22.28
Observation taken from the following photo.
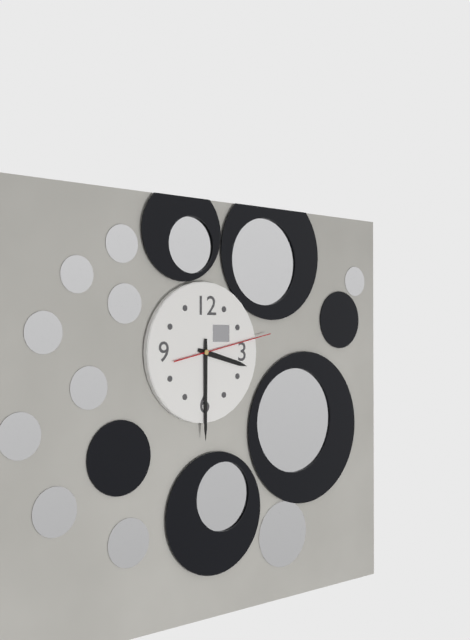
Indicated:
3.30.13
